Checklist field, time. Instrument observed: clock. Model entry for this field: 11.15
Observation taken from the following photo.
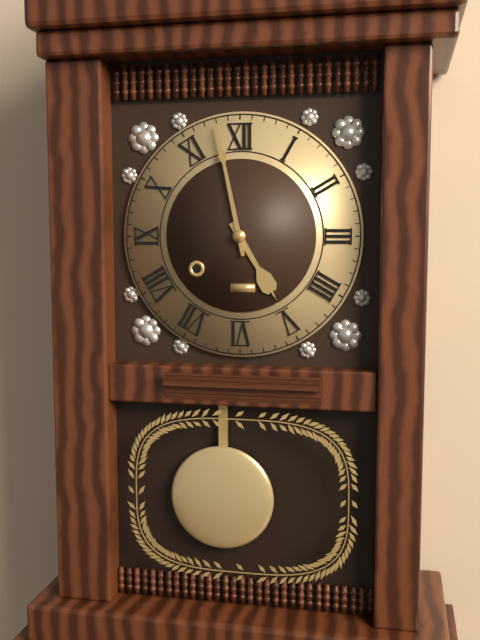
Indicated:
4.58
